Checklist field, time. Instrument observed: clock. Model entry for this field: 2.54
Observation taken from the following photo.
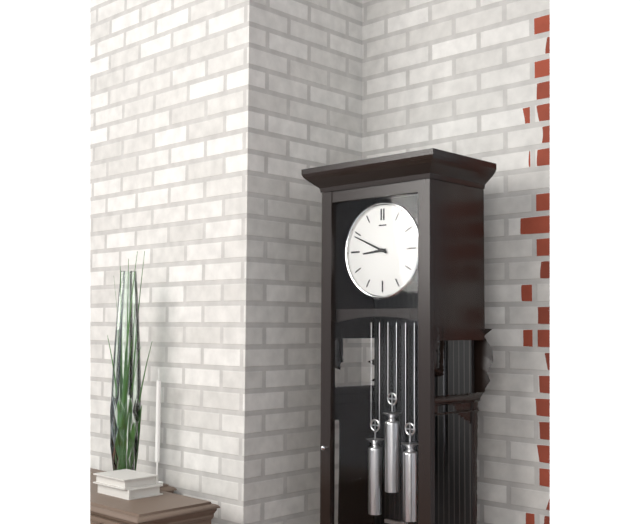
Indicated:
8.49
